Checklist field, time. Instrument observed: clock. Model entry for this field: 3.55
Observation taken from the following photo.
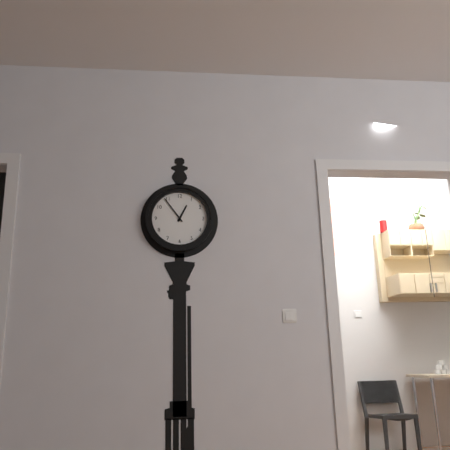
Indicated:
12.54
